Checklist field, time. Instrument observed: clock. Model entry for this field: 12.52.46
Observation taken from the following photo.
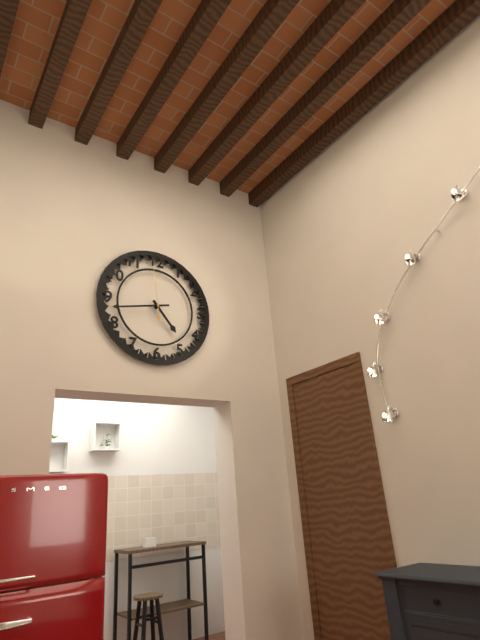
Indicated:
4.43.59
